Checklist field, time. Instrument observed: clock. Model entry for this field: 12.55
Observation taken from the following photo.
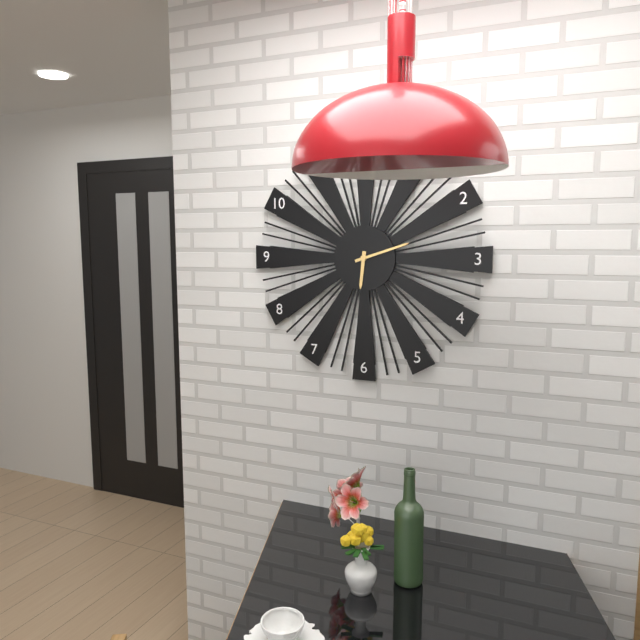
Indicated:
6.12
